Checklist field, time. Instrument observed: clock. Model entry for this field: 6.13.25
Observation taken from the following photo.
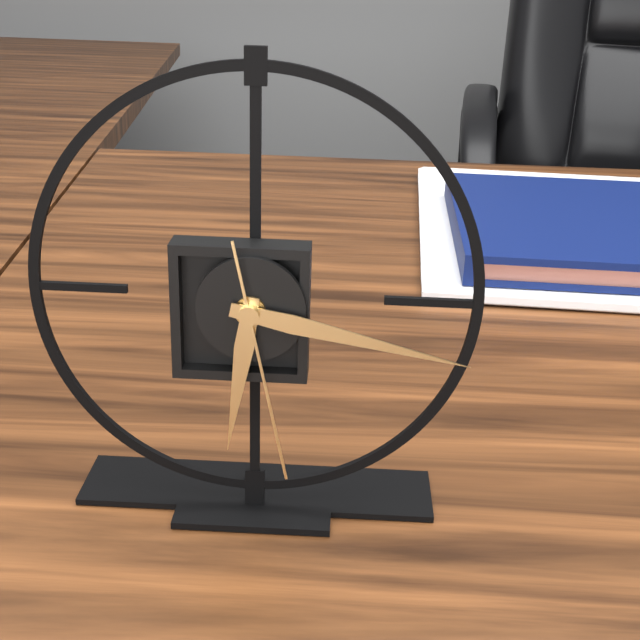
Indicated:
6.17.28
